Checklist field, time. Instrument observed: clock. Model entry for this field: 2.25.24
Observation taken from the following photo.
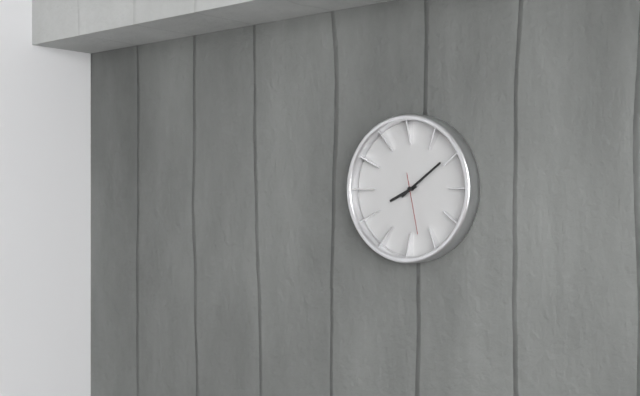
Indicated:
8.09.28
